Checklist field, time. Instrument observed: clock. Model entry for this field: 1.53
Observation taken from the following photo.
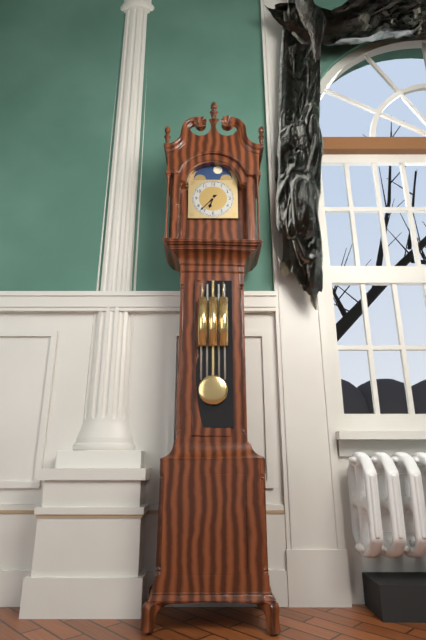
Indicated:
6.37
